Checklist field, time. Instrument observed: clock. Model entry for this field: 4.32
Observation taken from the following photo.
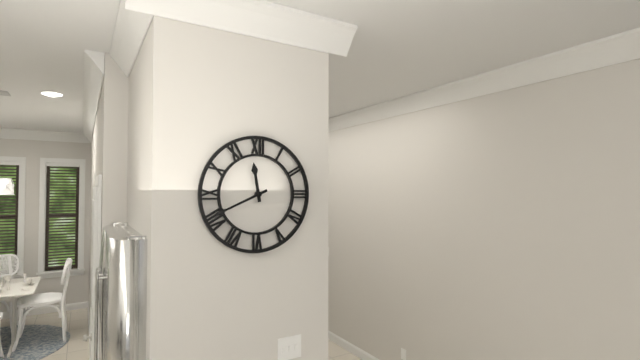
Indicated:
11.41
